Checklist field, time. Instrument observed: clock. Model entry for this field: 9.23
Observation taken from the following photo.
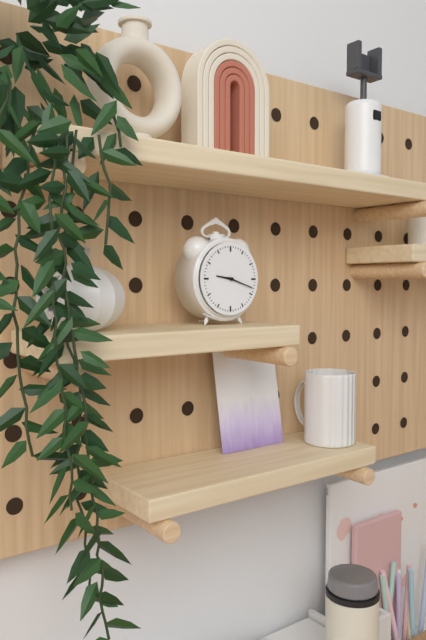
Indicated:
9.18
